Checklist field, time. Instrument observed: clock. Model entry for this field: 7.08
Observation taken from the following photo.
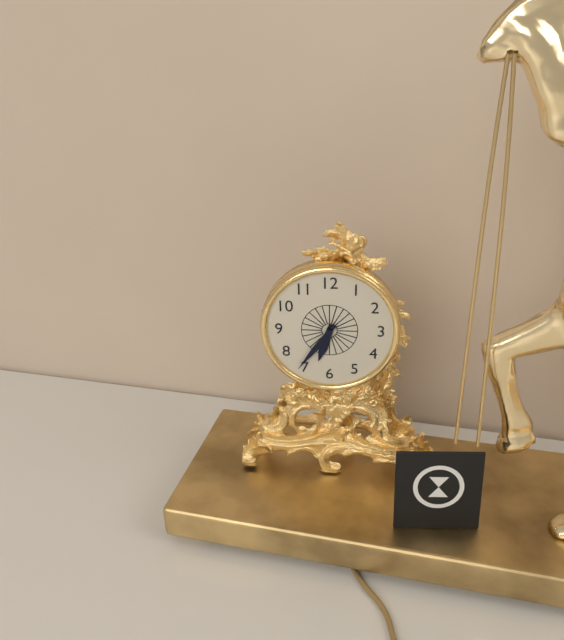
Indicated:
6.36
